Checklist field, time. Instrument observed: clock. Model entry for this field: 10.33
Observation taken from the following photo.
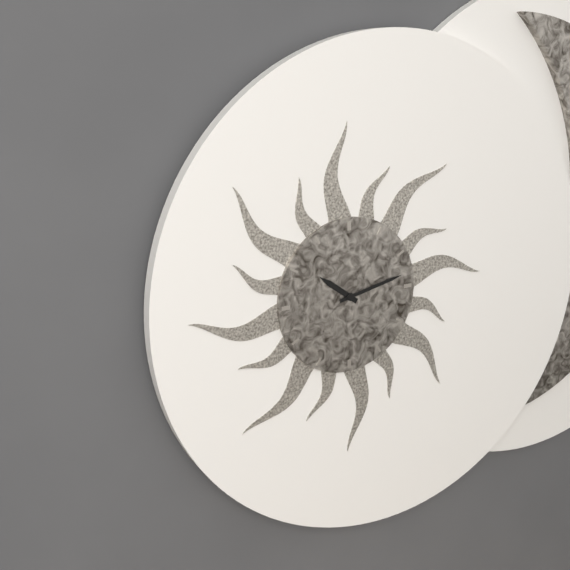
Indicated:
10.13
